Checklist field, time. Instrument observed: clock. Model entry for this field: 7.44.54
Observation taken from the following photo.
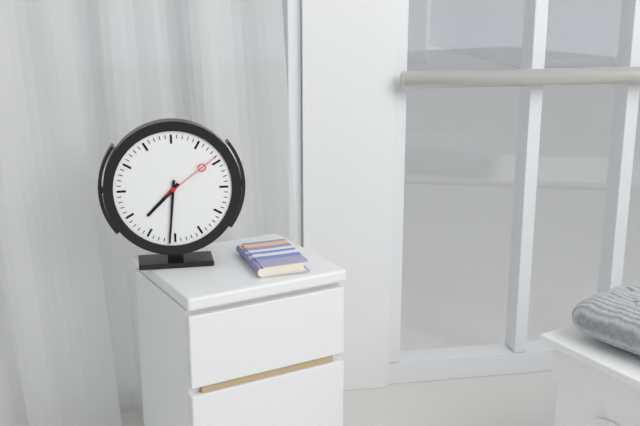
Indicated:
7.31.09
